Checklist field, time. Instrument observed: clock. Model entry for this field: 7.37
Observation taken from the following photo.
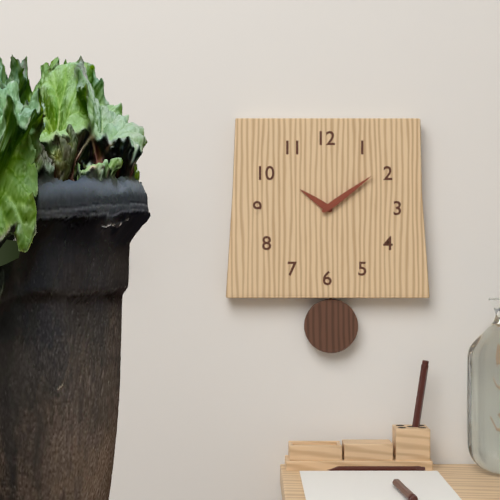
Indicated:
10.09
